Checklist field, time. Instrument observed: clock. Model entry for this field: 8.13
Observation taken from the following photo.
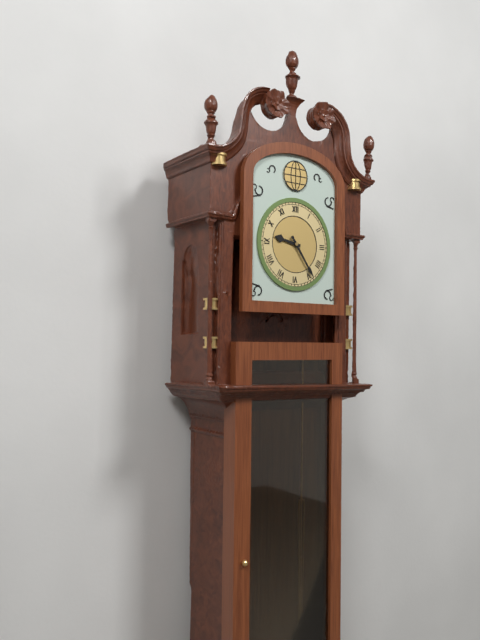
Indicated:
9.24
